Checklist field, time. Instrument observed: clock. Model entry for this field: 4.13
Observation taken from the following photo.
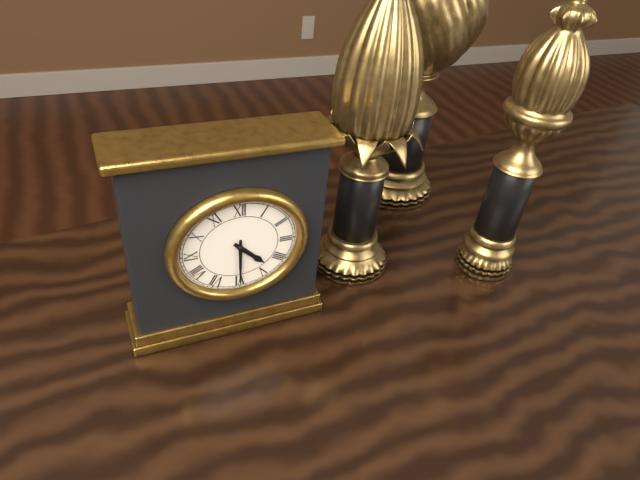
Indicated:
4.30
